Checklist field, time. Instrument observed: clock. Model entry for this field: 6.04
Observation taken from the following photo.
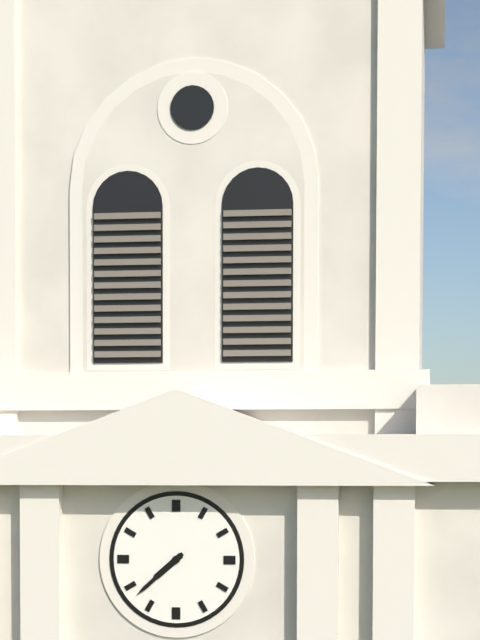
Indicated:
7.38
